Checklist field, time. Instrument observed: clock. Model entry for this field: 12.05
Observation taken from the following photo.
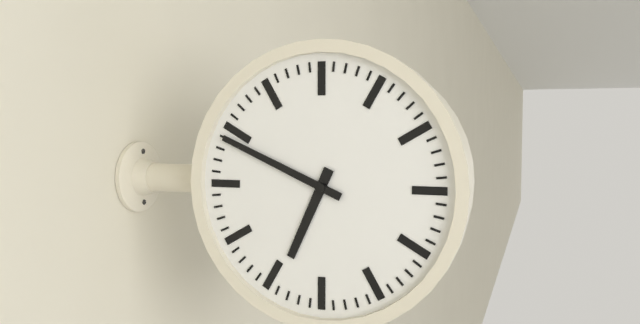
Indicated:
6.49
